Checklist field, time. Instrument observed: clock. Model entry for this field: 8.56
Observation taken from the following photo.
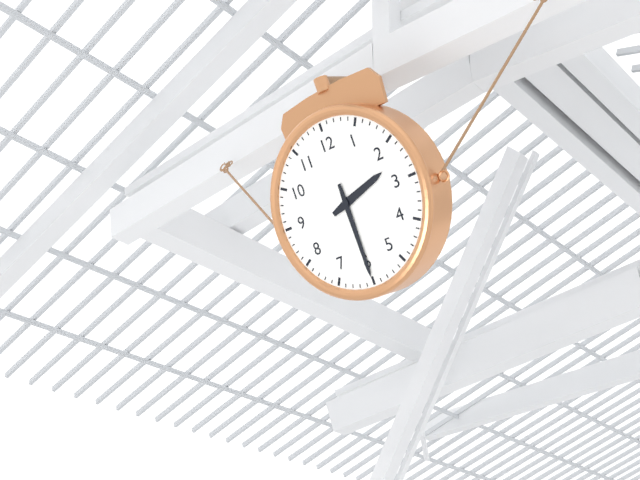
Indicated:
2.30
